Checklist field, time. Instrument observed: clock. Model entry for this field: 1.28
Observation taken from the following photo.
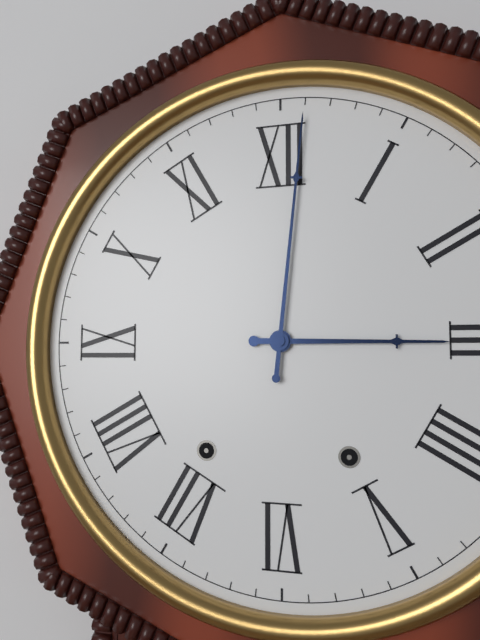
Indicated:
3.01
